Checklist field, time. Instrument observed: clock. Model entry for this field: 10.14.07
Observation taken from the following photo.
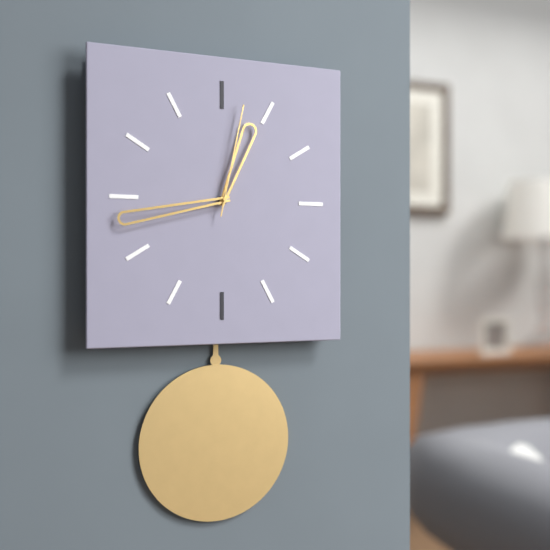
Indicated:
12.43.02
